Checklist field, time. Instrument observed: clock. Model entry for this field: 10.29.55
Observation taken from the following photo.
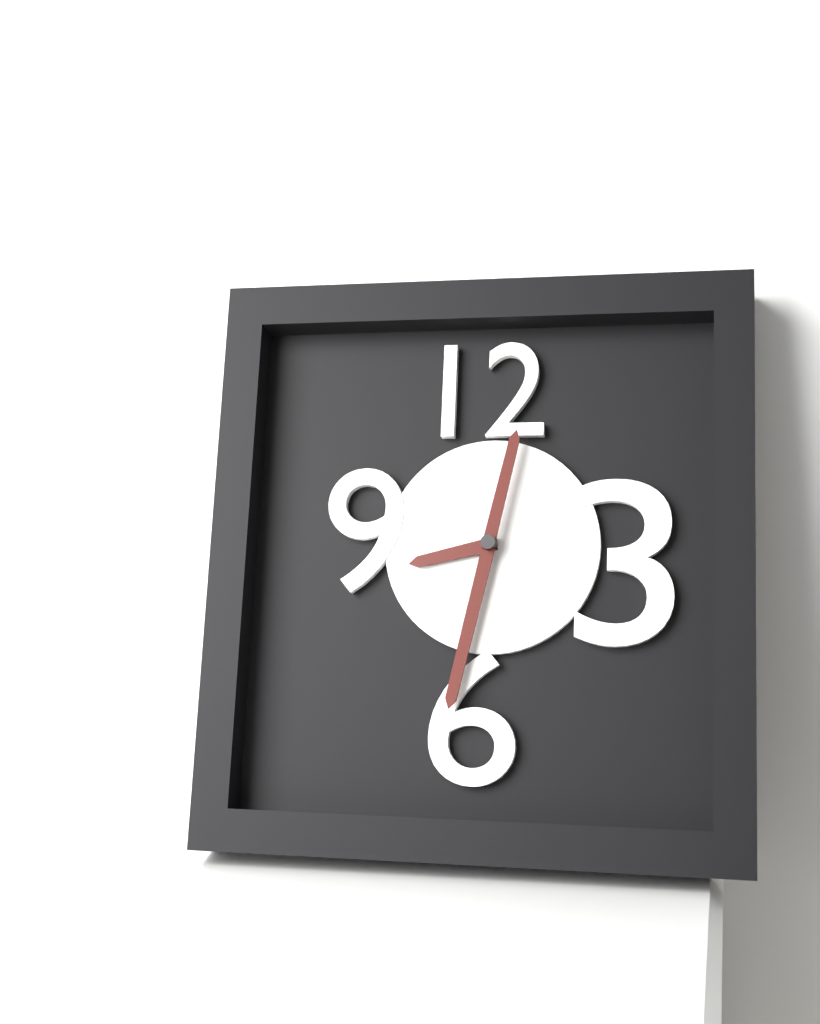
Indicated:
8.32.02
